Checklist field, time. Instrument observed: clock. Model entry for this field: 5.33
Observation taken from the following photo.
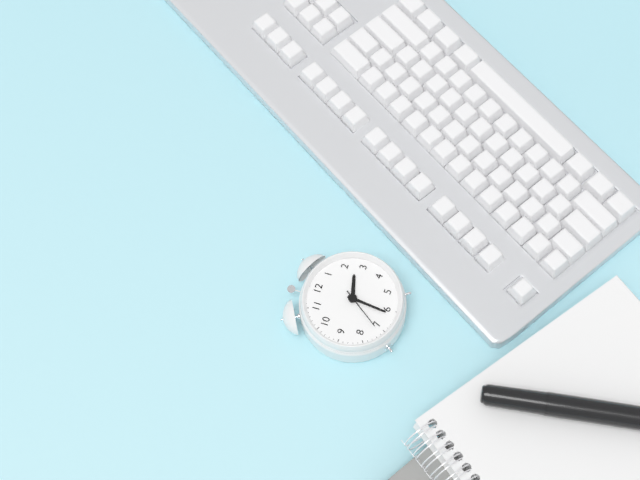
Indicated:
2.31
